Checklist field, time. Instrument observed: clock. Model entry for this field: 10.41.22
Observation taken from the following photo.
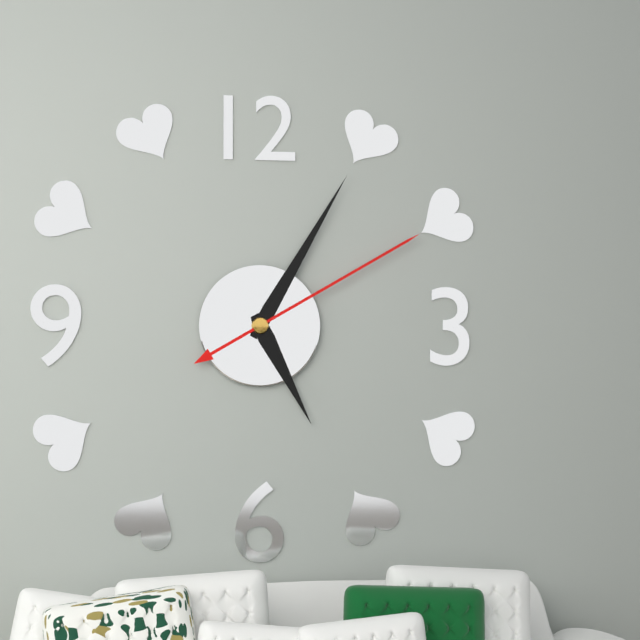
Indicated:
5.05.10
